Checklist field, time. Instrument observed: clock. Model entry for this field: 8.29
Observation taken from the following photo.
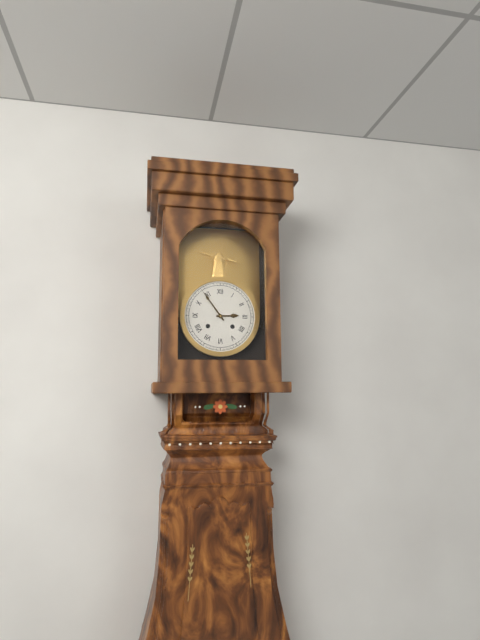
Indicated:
2.54
